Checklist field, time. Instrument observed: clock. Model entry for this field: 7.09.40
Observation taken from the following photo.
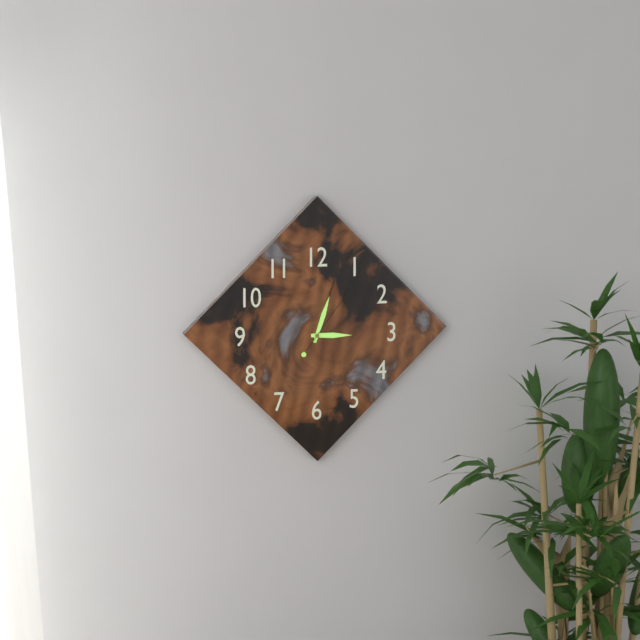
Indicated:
3.03.06
